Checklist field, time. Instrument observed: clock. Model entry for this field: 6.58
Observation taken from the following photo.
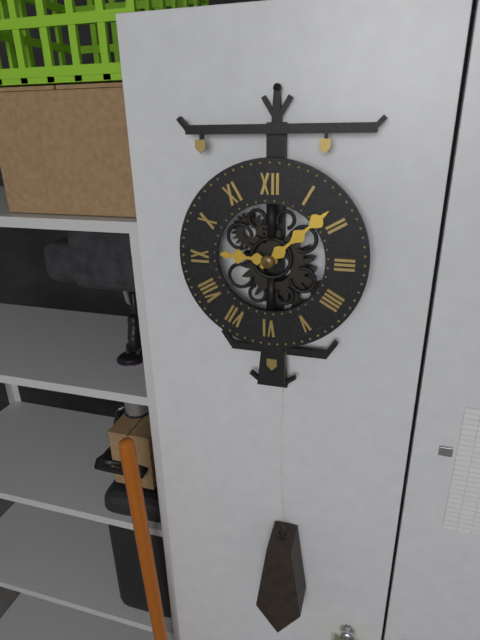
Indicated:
9.08
